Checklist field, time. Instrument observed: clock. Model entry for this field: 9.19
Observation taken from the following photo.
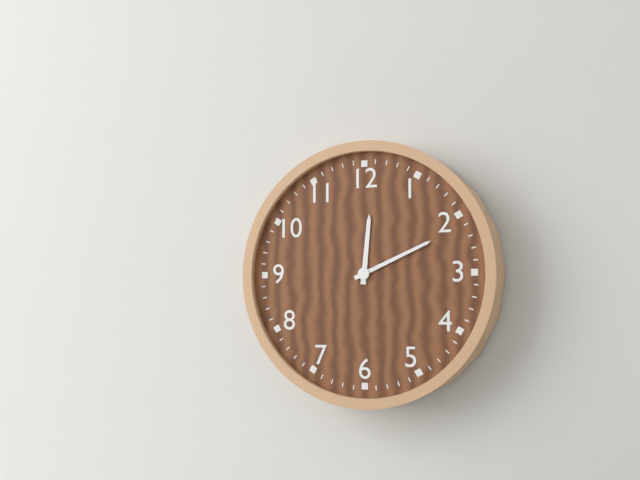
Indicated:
12.11
